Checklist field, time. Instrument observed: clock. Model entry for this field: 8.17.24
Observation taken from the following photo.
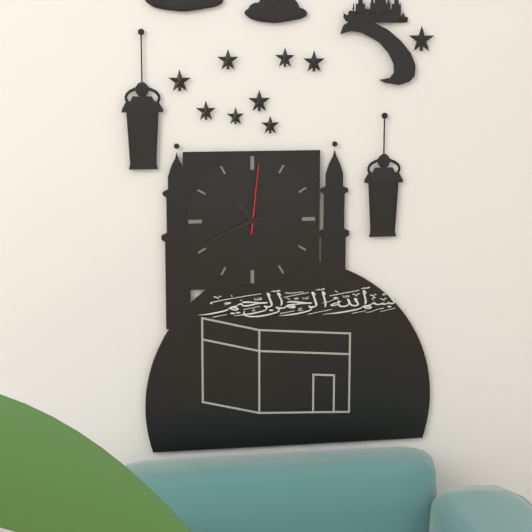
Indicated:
10.41.01
